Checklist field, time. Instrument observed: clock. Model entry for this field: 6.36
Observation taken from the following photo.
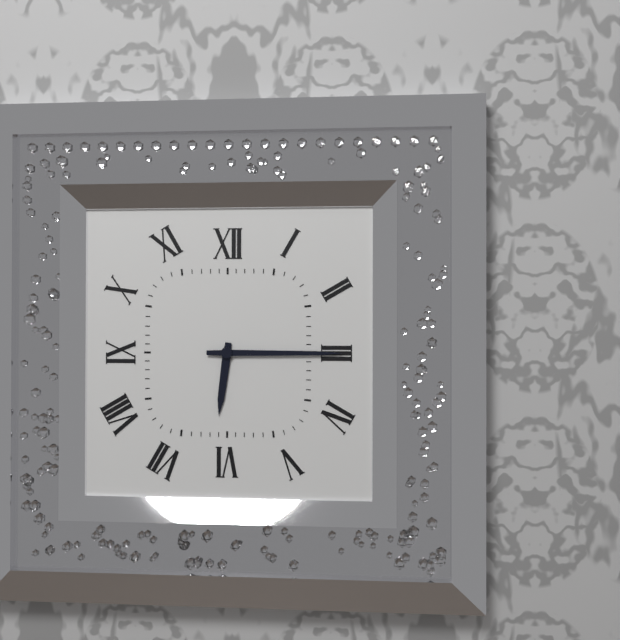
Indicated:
6.15
